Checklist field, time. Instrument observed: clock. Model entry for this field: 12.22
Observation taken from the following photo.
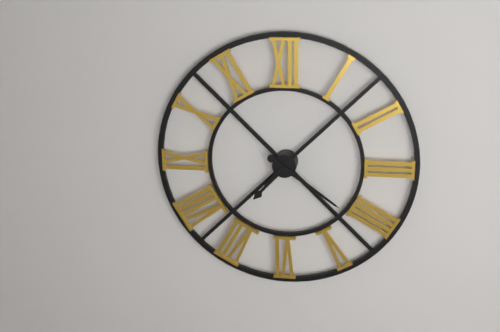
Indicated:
7.21
